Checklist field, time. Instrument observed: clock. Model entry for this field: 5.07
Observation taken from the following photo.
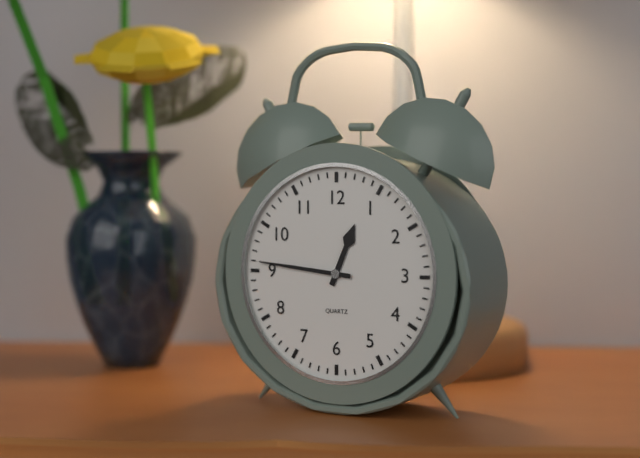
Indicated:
12.46
